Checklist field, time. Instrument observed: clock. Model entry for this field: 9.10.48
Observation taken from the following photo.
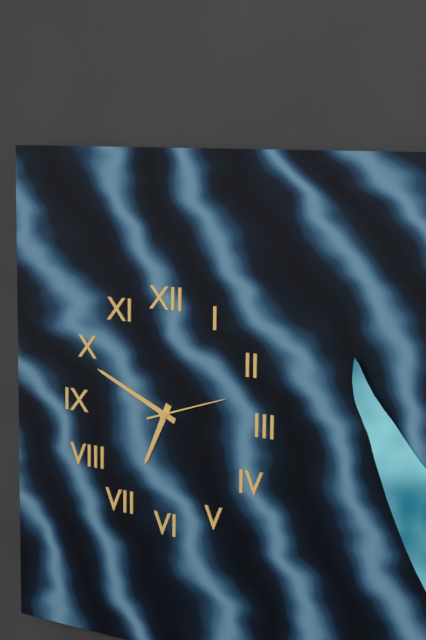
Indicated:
6.49.12
